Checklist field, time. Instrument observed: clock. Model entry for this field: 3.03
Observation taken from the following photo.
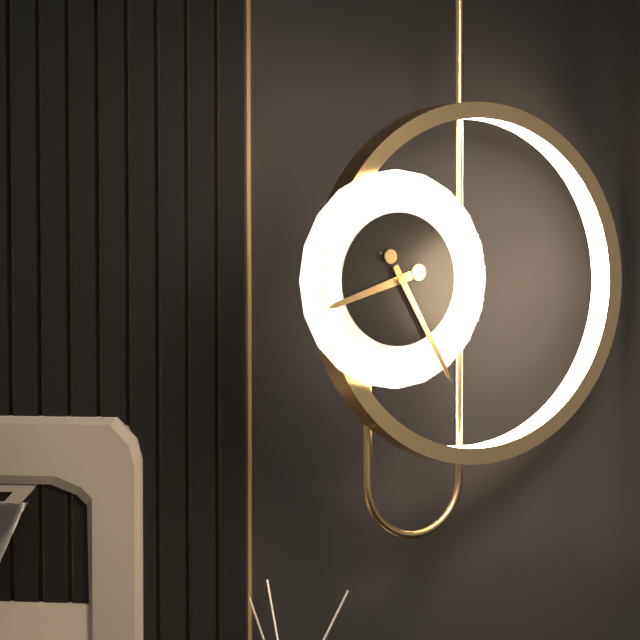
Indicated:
8.25
